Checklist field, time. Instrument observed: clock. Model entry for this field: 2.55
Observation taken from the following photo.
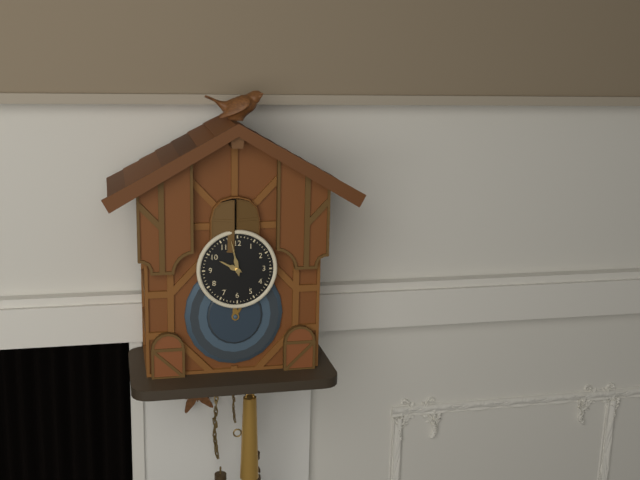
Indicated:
9.58
